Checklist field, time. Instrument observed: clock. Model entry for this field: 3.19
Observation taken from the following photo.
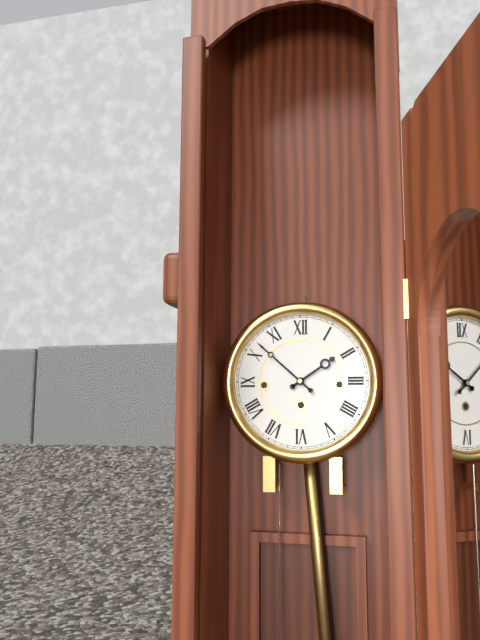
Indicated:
1.52
